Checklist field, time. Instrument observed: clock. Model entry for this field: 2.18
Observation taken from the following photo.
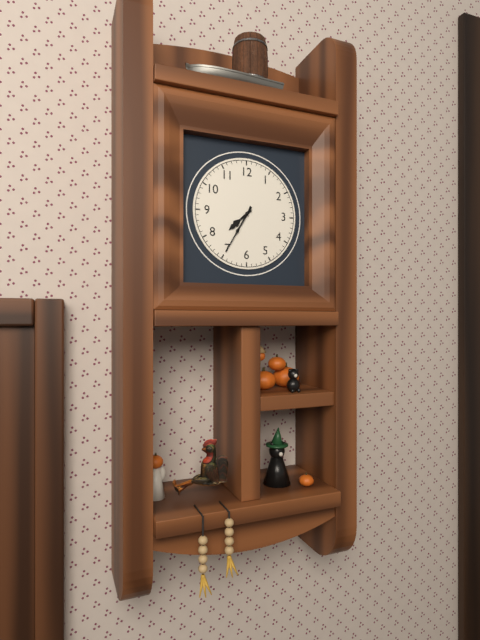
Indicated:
7.35
